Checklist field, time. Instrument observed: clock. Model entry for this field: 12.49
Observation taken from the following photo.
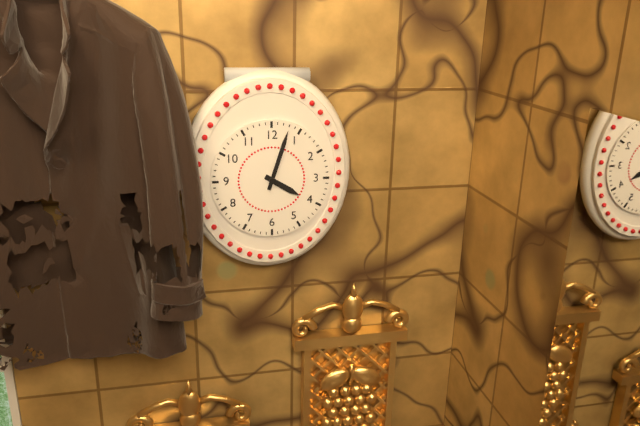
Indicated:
4.03
